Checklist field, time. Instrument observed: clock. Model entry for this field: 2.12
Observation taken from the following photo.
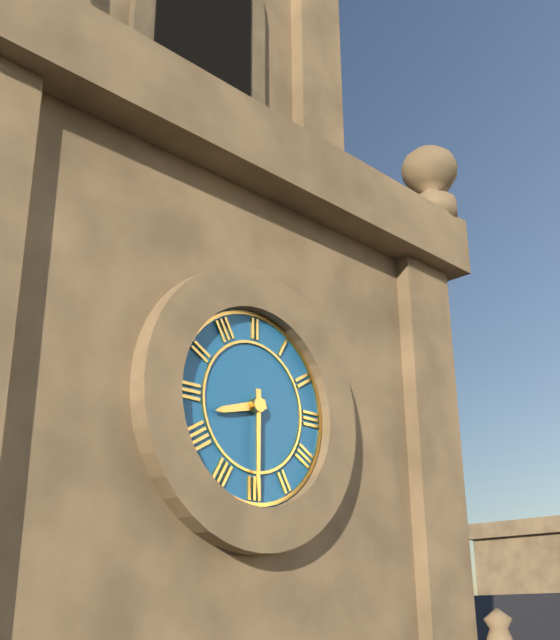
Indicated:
8.30
